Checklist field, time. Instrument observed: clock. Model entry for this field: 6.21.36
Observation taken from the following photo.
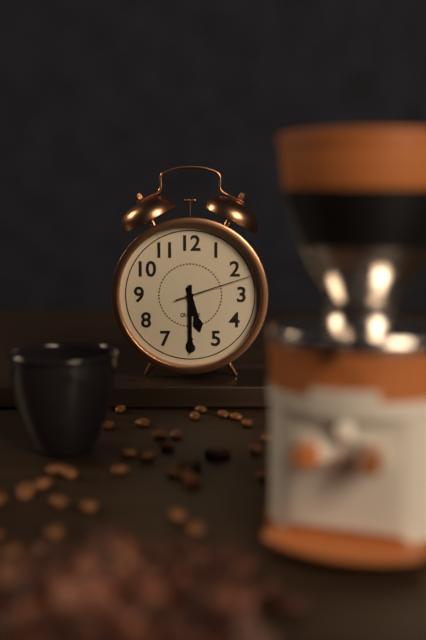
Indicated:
5.30.12
